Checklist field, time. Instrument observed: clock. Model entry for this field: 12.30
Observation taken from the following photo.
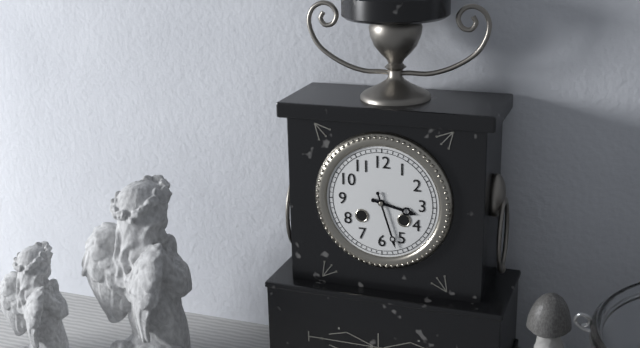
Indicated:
3.27
